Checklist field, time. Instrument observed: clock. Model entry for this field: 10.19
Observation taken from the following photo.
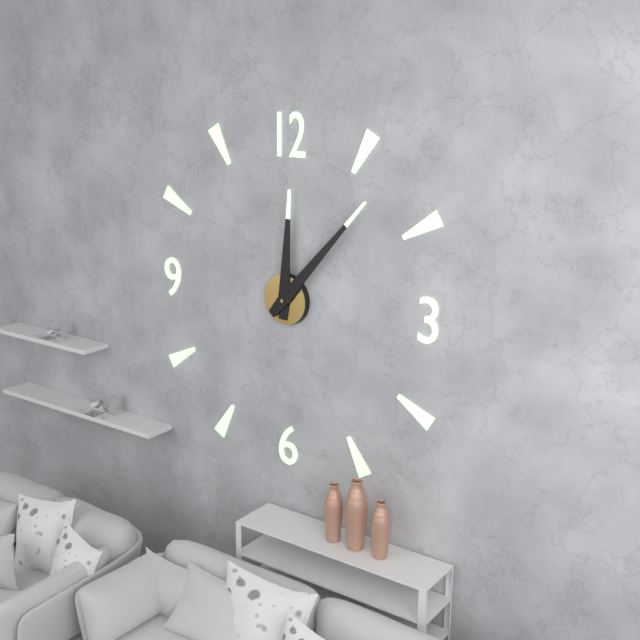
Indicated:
12.07
